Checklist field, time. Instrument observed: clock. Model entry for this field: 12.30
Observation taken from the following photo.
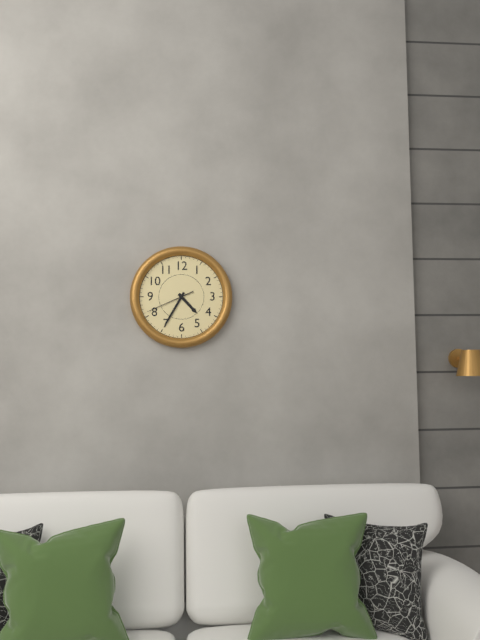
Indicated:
4.35
